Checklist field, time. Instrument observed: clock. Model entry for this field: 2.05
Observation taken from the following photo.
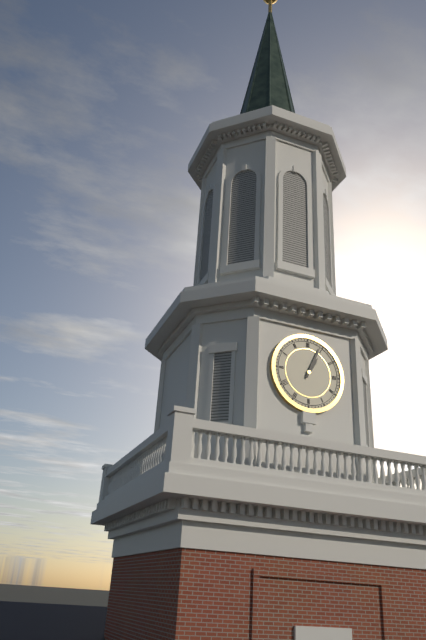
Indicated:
1.04
